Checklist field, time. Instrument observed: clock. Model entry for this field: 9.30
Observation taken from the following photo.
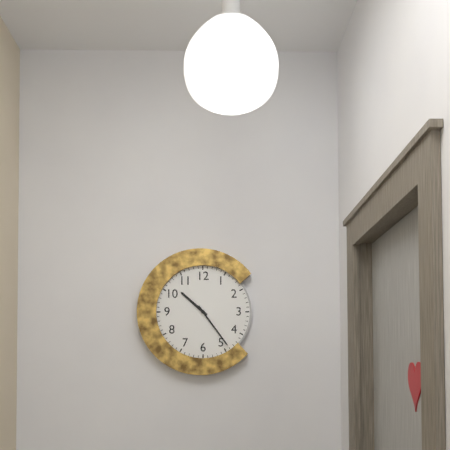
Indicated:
10.24
